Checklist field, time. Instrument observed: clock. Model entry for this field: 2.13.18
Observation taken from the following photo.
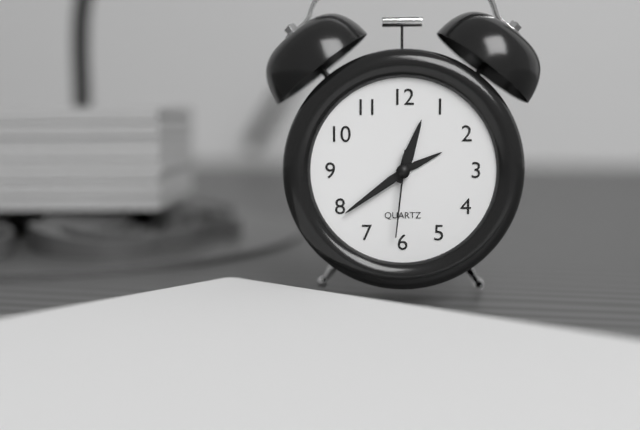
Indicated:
12.39.31
